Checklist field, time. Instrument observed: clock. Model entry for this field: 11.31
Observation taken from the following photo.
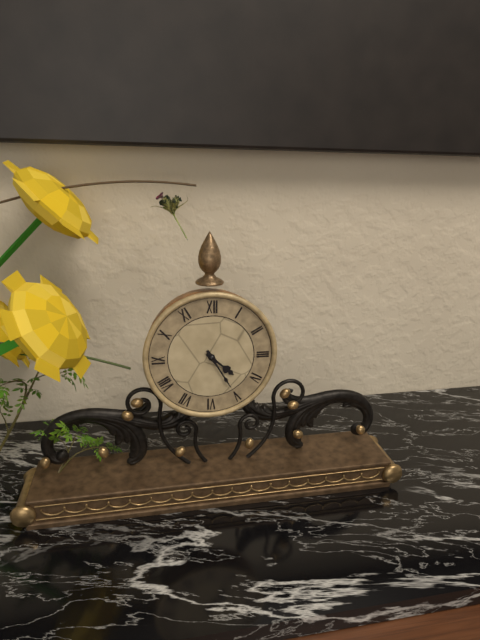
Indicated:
4.25
